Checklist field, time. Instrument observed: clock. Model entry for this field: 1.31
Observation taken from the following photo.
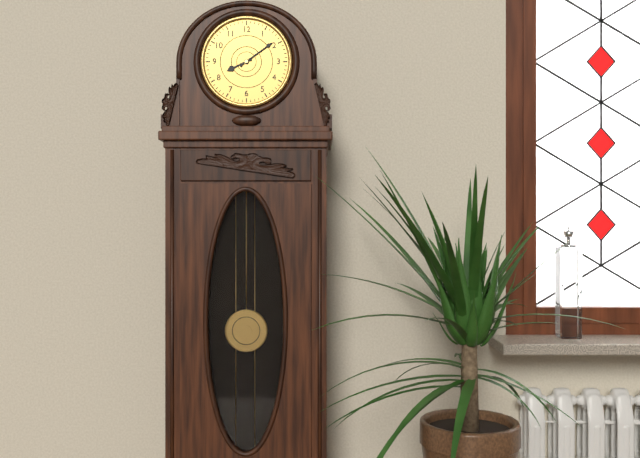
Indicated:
8.09
